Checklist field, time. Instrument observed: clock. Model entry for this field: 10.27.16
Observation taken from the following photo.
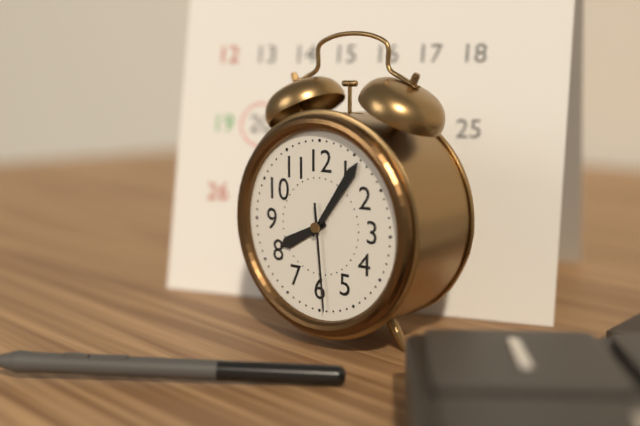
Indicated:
8.06.29
